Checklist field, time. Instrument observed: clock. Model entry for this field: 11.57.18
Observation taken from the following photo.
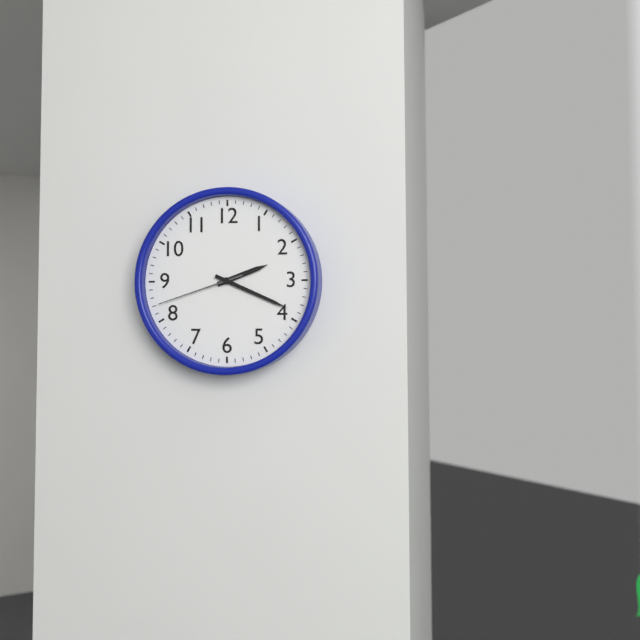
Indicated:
2.19.42
